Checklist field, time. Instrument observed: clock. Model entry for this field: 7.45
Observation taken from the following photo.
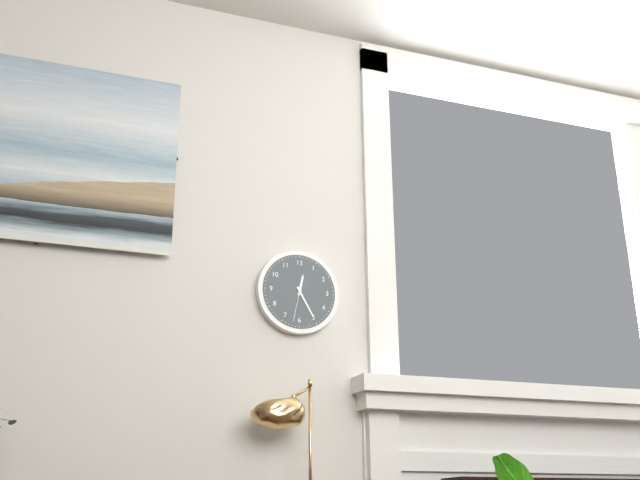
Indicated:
12.25
